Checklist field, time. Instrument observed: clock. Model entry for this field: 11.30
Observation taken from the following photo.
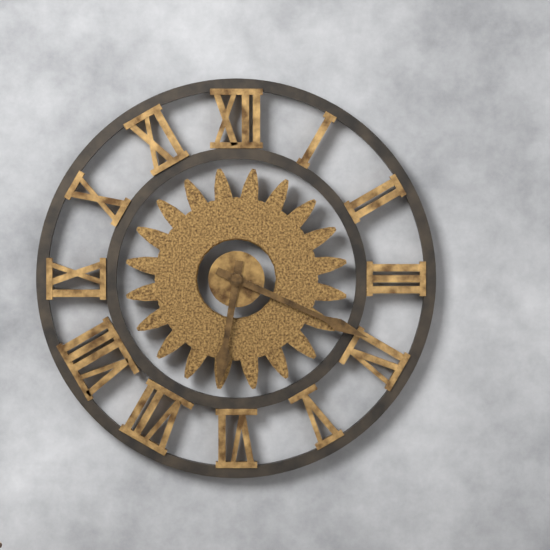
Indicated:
6.19
